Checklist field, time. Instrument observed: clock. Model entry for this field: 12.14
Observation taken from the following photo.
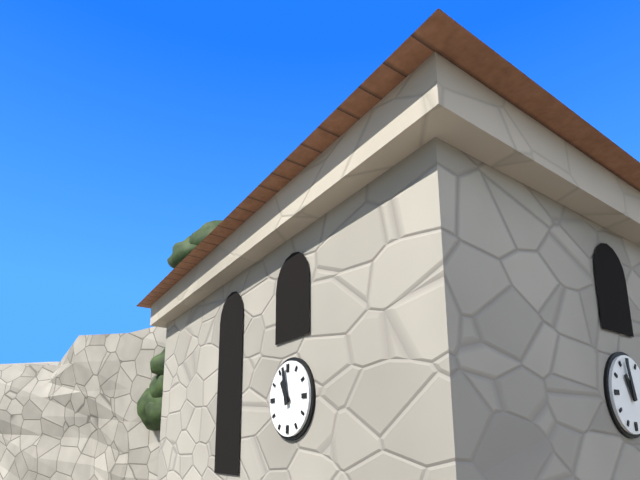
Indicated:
10.58
